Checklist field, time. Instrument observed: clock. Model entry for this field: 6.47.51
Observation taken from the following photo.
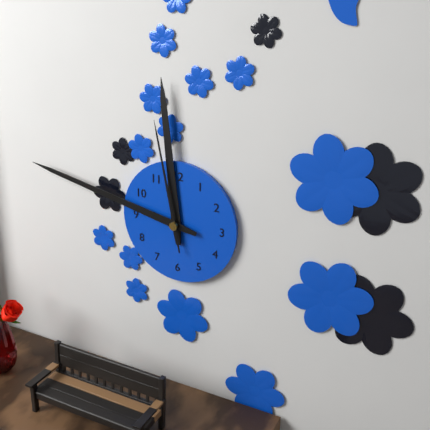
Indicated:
11.47.58
